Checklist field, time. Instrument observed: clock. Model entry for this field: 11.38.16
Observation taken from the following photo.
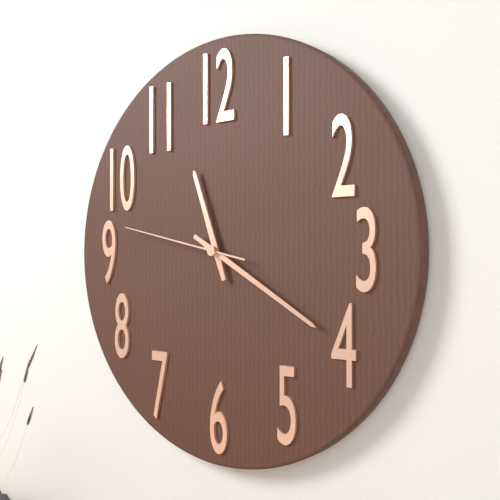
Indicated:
11.20.47
